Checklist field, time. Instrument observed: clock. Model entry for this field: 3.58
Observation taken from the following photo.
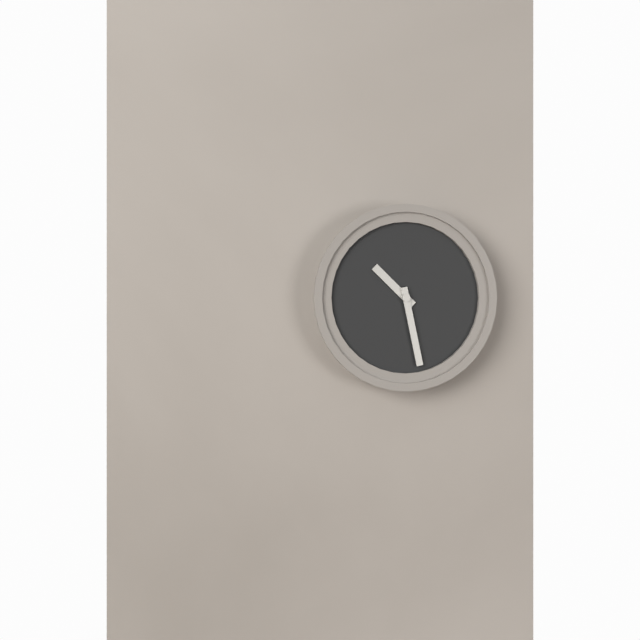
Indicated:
10.28
